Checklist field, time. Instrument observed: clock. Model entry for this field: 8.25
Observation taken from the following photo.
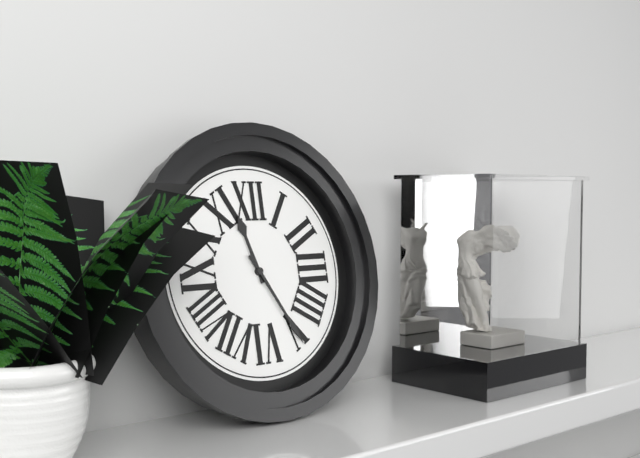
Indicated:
11.25
